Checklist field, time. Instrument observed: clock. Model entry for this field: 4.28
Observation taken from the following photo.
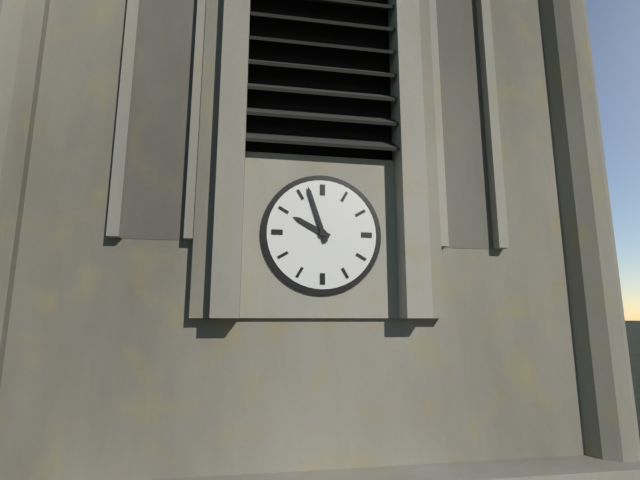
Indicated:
9.57
